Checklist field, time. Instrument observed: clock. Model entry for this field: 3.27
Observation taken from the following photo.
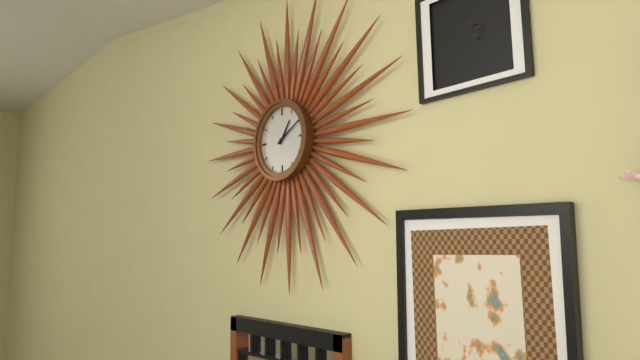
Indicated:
1.10
